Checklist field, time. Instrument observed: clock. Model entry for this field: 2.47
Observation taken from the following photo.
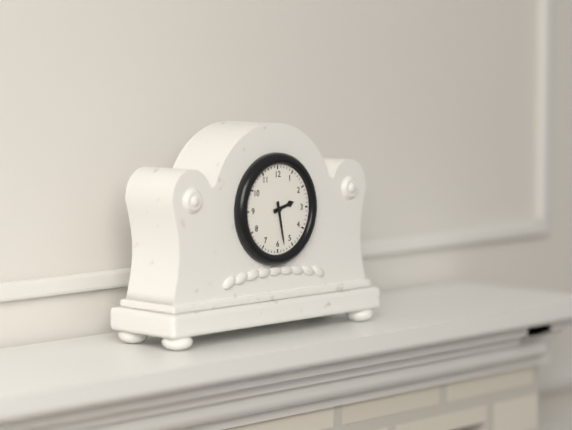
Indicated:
2.28
